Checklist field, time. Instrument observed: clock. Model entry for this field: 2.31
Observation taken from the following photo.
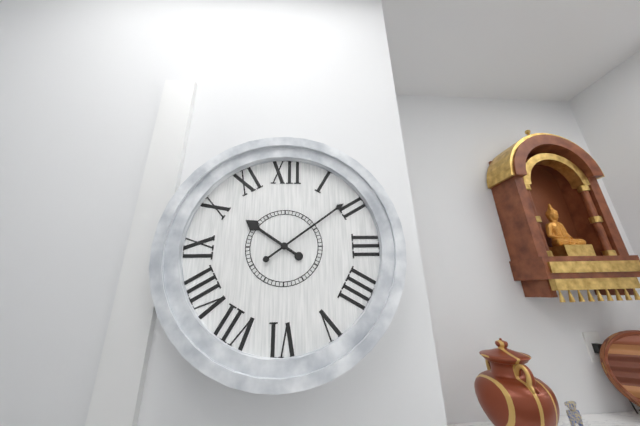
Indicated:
10.09
